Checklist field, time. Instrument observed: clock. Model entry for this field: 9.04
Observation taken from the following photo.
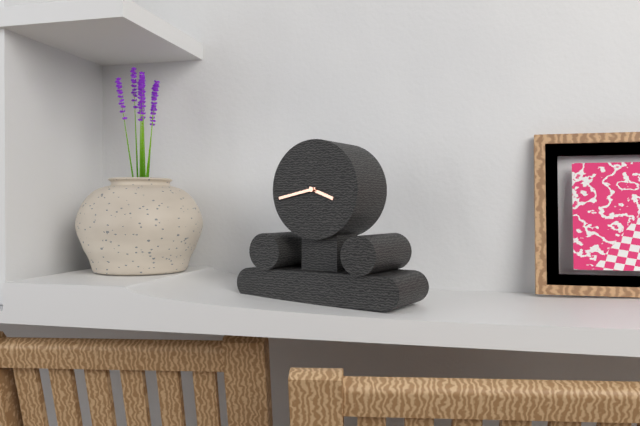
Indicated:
3.43
